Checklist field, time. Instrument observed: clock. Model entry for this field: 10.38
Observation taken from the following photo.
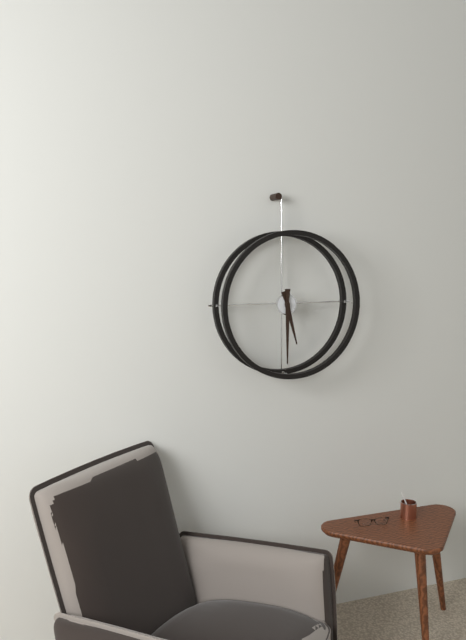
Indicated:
5.30
